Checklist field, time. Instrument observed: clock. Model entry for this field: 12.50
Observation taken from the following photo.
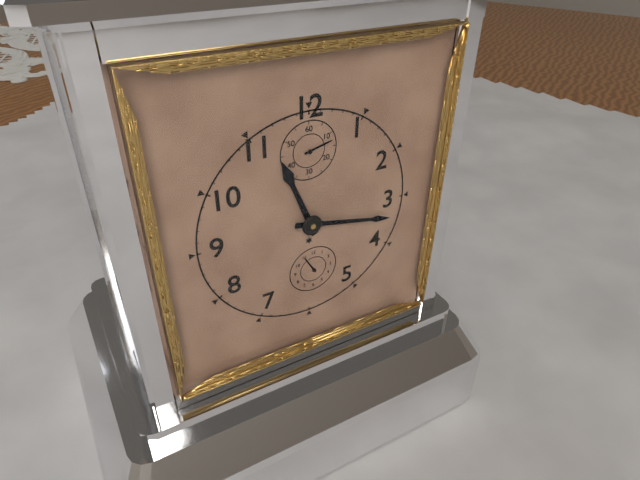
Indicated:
11.17
